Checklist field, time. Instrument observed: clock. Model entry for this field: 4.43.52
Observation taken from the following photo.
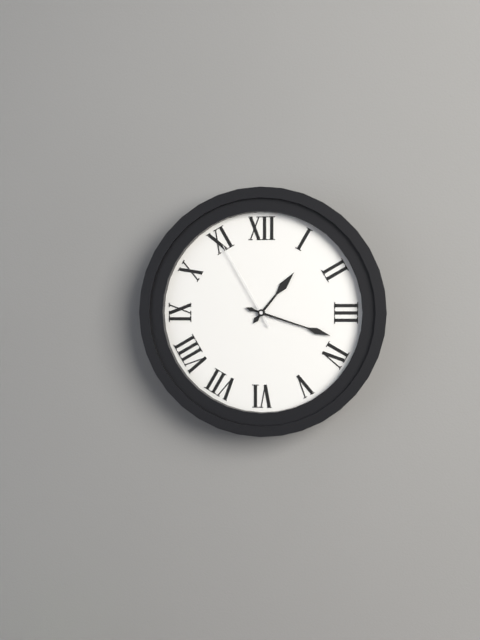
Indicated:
1.18.55
